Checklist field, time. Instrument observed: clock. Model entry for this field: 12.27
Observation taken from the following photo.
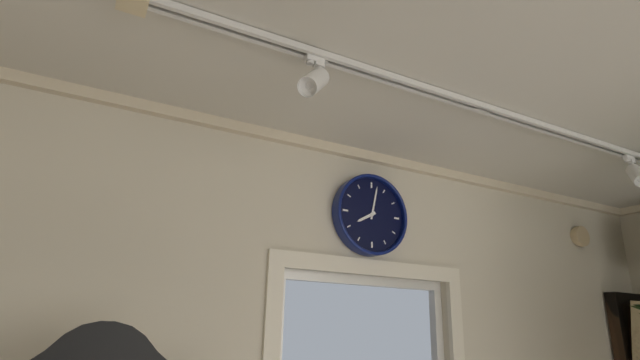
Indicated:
8.02
